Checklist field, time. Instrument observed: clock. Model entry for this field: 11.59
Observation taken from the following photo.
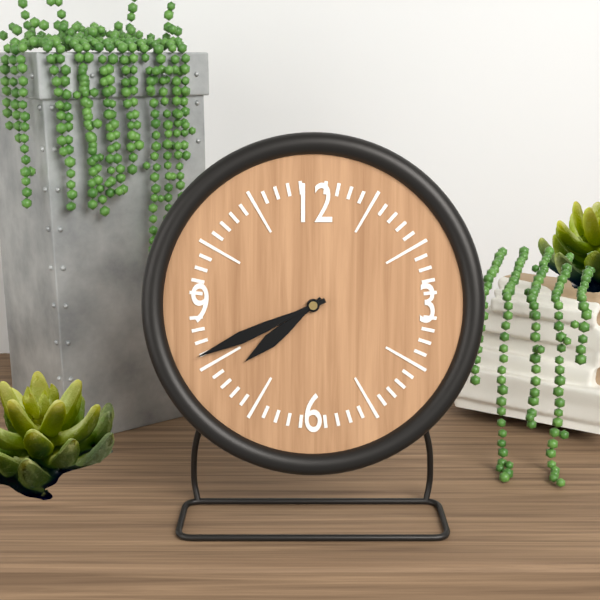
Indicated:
7.41
